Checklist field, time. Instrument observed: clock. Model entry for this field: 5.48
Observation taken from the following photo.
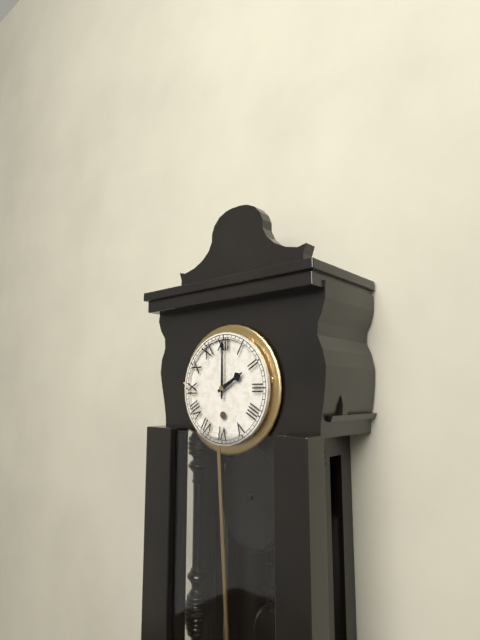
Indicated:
2.00
